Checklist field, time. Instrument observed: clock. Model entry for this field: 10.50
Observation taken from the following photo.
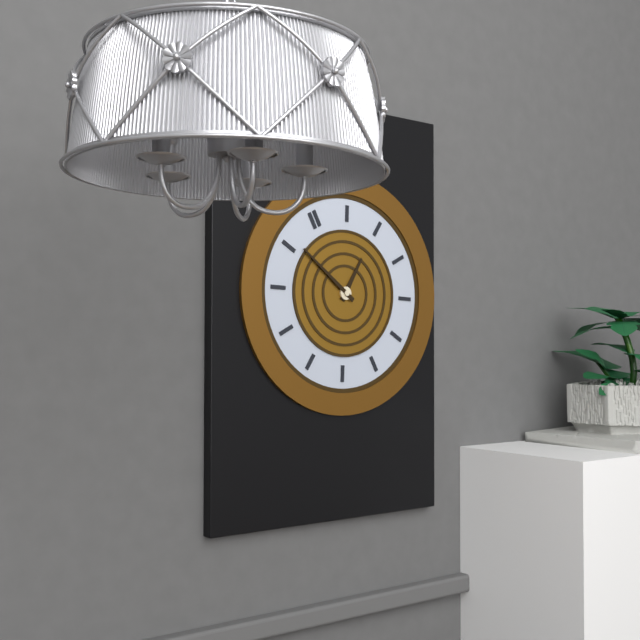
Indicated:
1.56
